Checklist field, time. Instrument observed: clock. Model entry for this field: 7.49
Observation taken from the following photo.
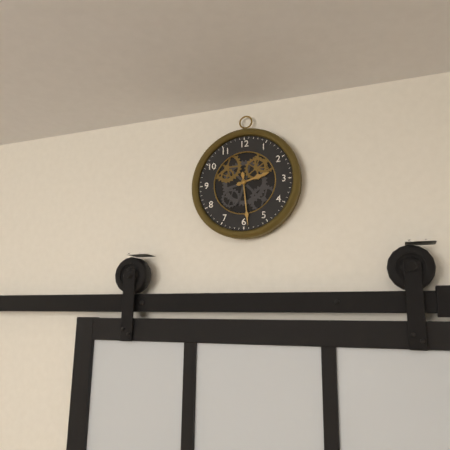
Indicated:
2.29
